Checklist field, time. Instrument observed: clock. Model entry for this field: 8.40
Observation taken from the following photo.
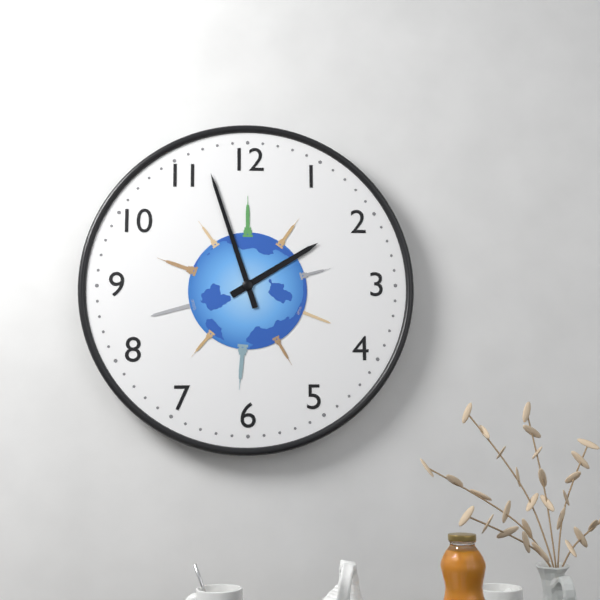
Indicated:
1.57
